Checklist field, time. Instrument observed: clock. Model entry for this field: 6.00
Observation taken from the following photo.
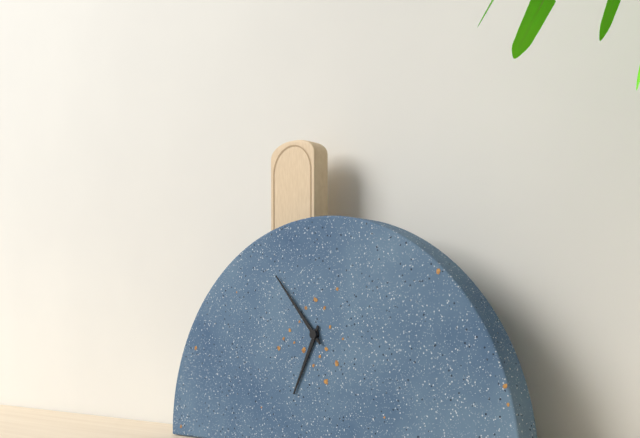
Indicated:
6.53
